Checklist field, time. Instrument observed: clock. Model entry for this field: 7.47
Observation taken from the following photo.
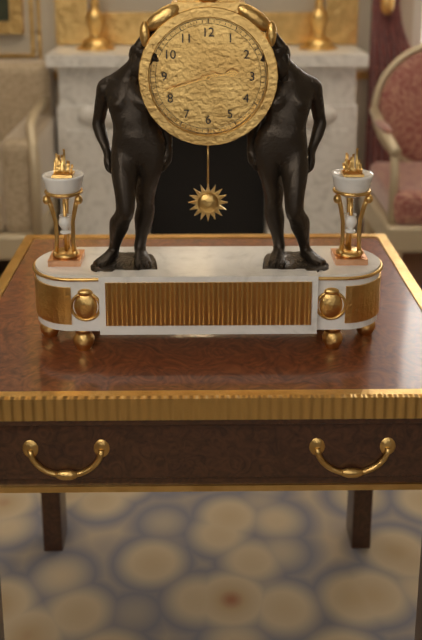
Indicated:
2.42
